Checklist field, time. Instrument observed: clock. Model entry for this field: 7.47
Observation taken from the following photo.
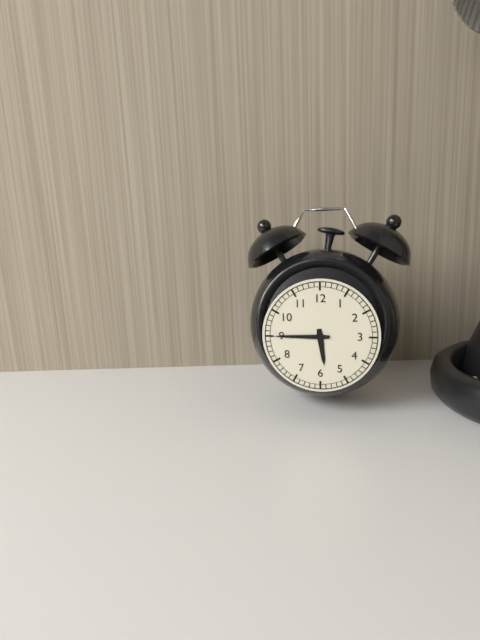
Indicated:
5.45
